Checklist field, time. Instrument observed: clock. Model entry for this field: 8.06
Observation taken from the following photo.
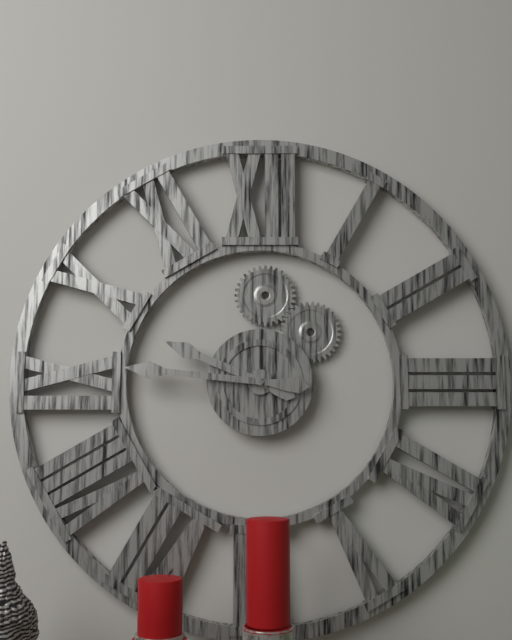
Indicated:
9.46
